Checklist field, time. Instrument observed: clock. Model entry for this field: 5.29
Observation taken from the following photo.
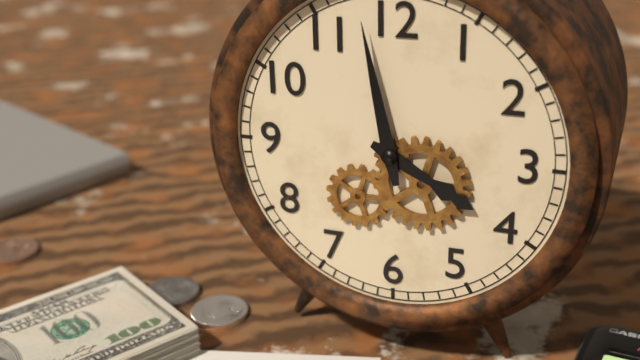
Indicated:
3.58
